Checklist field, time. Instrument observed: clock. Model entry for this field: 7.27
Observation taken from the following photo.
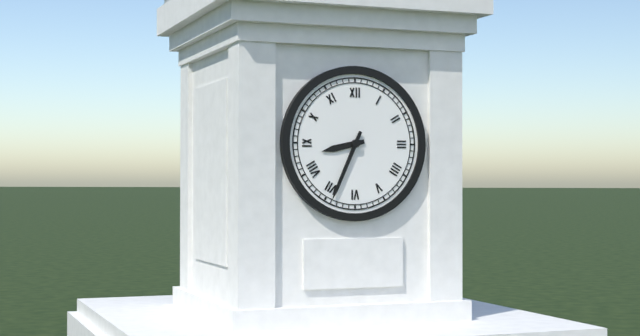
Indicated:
8.34
